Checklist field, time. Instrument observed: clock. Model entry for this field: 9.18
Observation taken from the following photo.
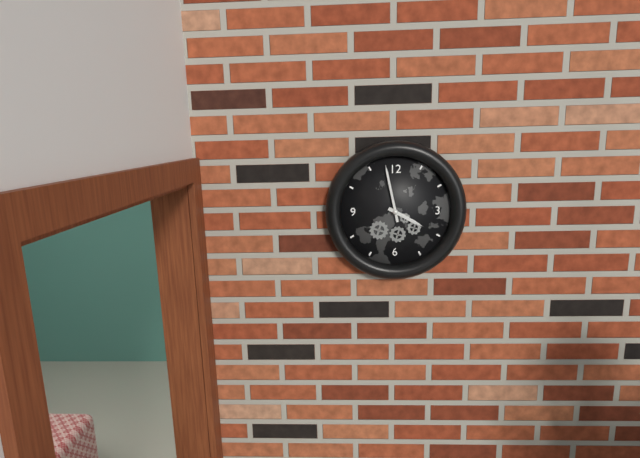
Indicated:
3.58
